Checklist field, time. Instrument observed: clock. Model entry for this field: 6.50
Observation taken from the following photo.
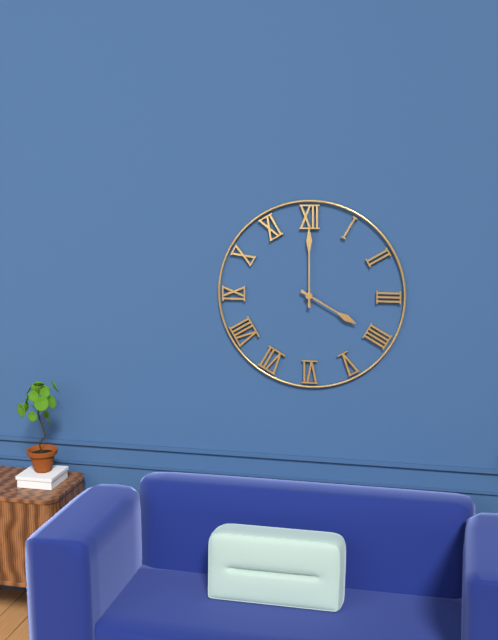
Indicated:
4.00
